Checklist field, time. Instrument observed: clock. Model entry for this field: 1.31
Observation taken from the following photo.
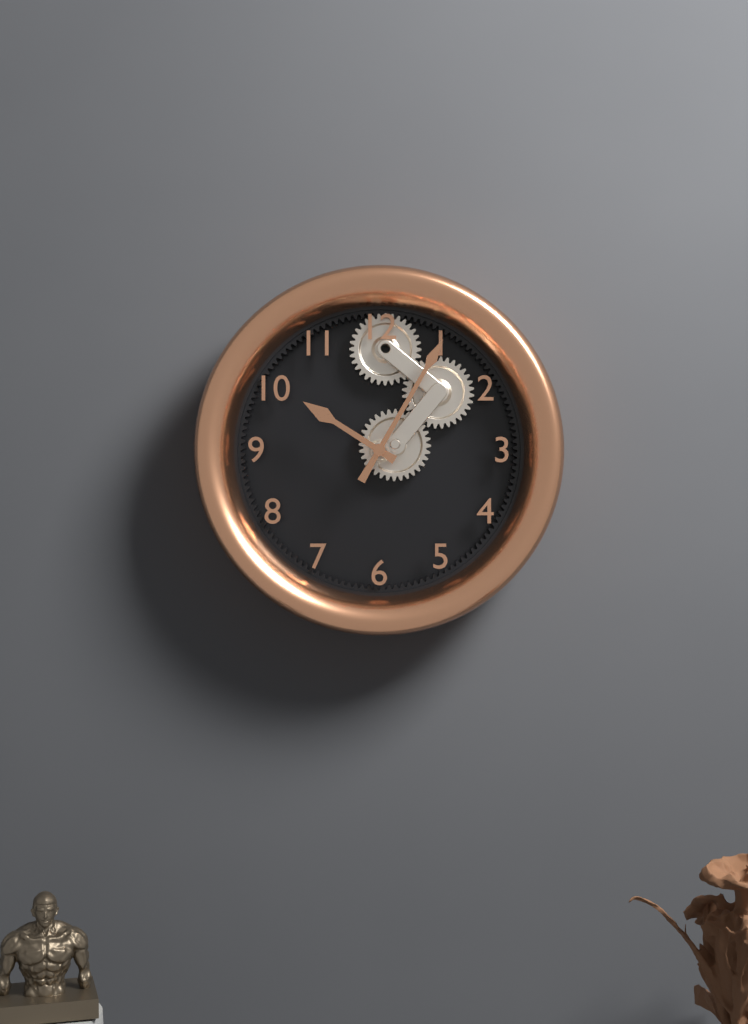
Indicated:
10.05
